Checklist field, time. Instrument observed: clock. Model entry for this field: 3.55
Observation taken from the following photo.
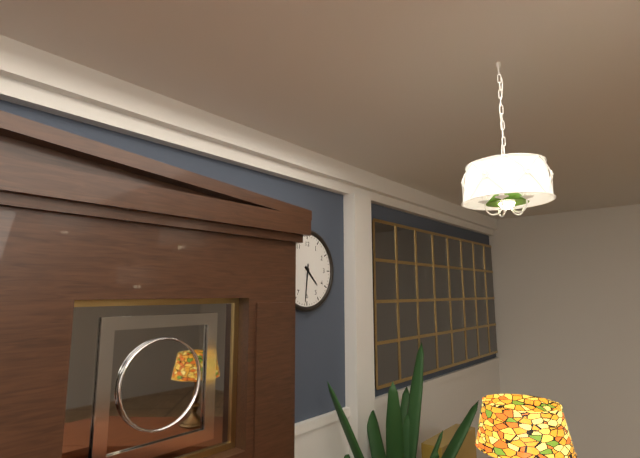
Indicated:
4.31
